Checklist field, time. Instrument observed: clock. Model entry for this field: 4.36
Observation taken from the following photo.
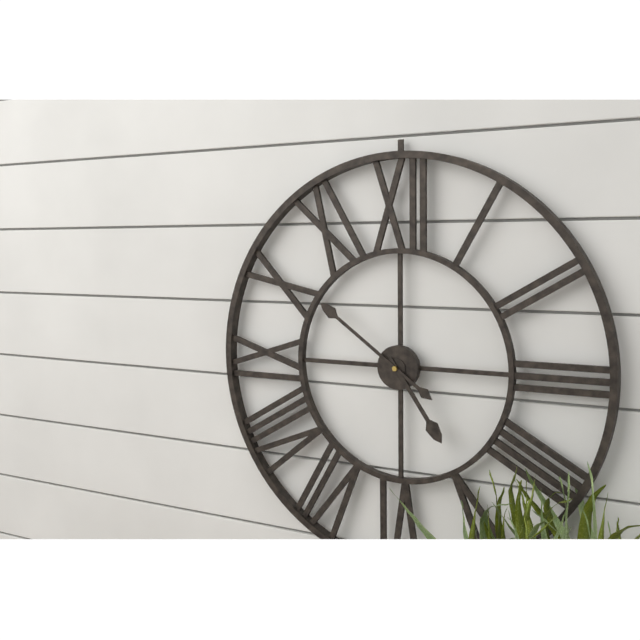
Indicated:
4.51
